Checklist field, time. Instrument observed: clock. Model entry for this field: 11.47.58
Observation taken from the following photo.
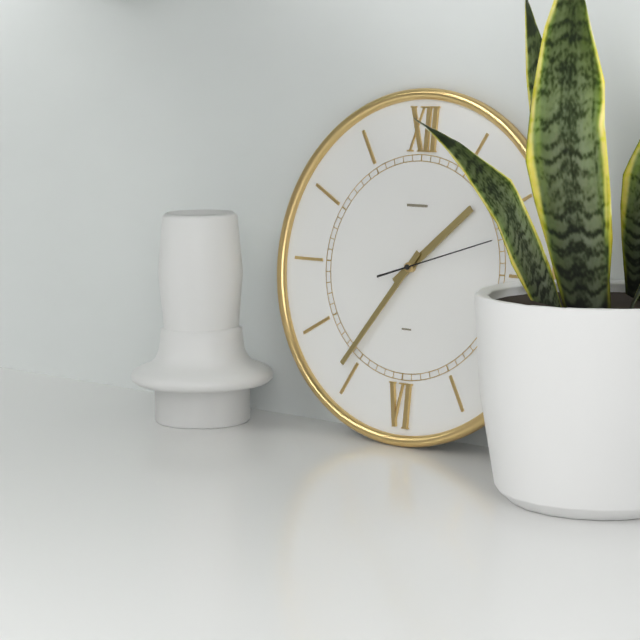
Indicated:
1.36.12
